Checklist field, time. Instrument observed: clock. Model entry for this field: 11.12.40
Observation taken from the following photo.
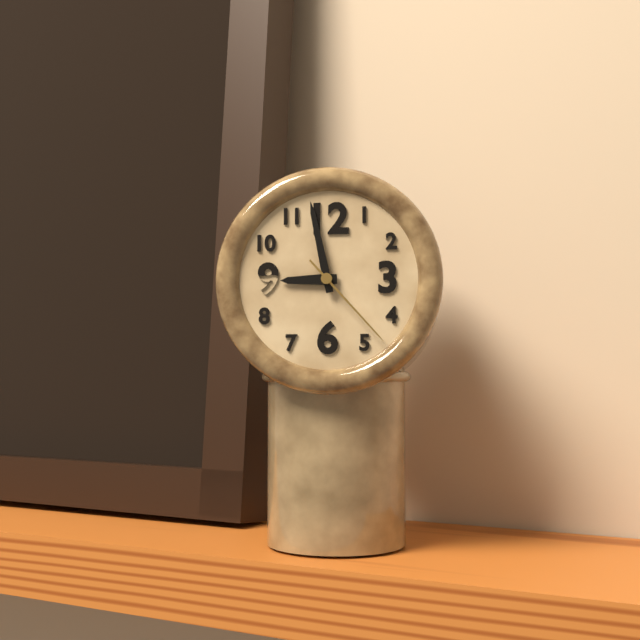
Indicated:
8.58.23
